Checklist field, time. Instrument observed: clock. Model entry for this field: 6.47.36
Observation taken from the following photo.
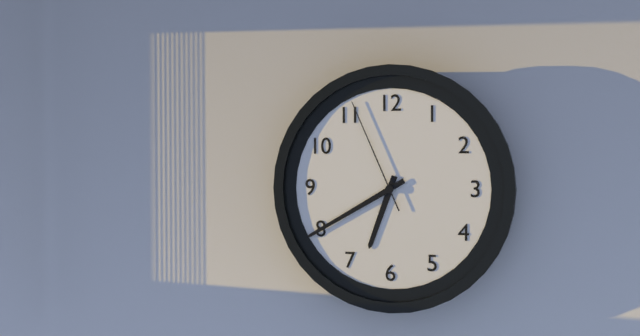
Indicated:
6.40.56
